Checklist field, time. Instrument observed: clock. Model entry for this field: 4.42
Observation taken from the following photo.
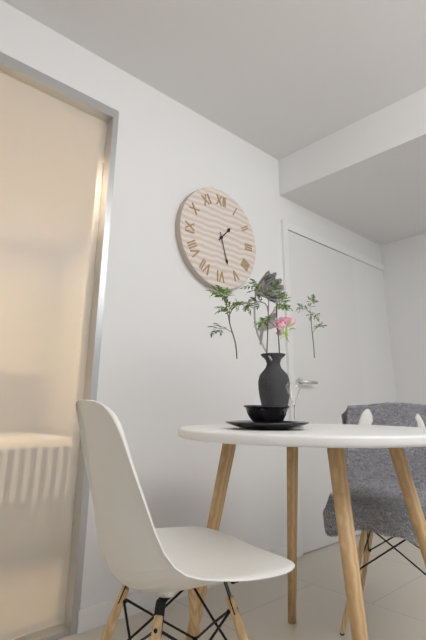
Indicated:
1.27
